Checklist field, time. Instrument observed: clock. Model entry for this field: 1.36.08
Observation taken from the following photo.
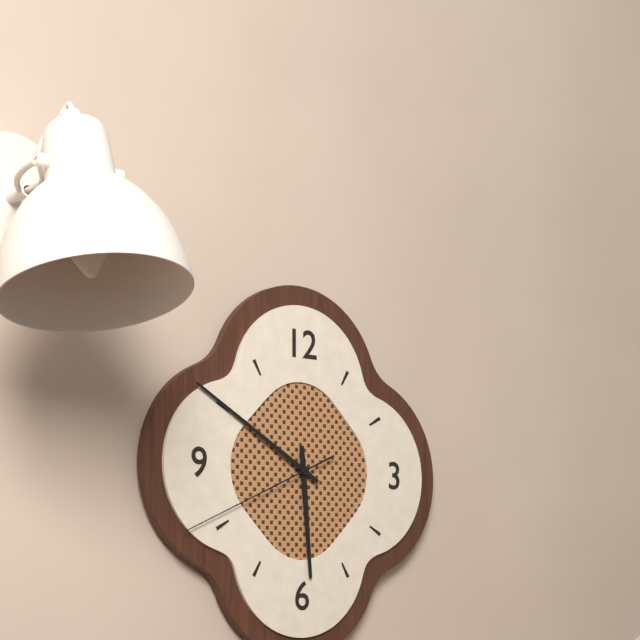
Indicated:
5.50.41
